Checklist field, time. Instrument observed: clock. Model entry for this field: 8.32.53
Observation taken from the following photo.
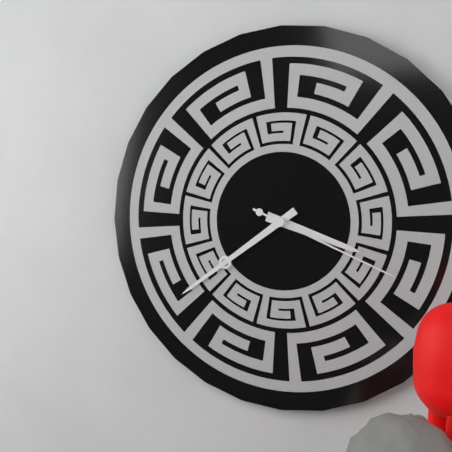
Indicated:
3.39.19
